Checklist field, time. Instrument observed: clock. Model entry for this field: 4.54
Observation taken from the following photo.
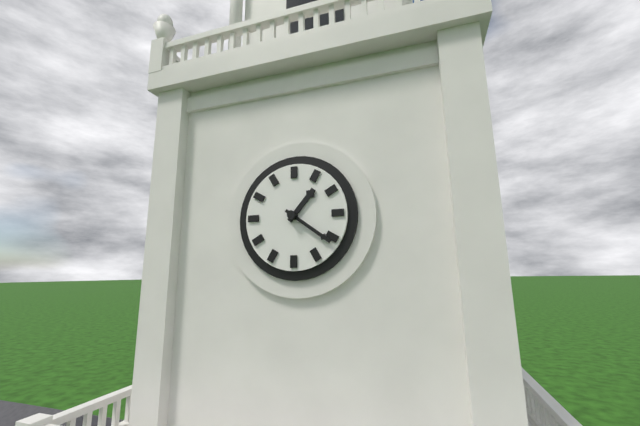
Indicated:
1.21
